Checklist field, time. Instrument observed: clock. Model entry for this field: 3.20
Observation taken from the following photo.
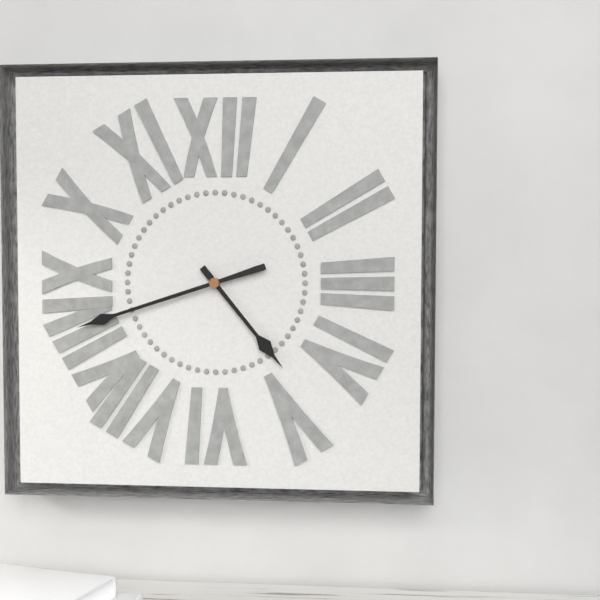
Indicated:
4.42
